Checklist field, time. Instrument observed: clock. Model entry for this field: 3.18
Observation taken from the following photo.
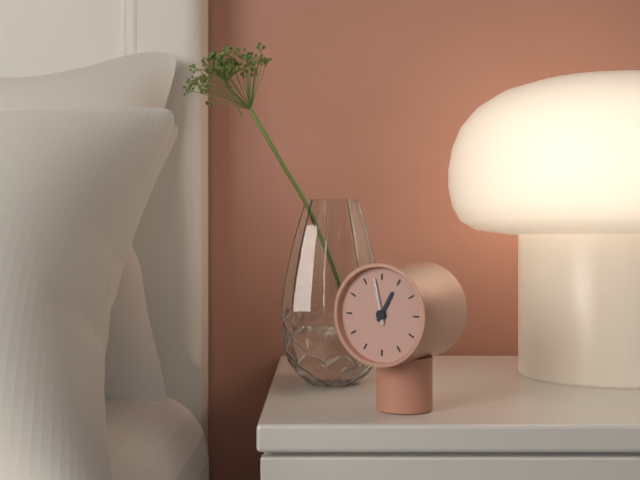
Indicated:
12.58
